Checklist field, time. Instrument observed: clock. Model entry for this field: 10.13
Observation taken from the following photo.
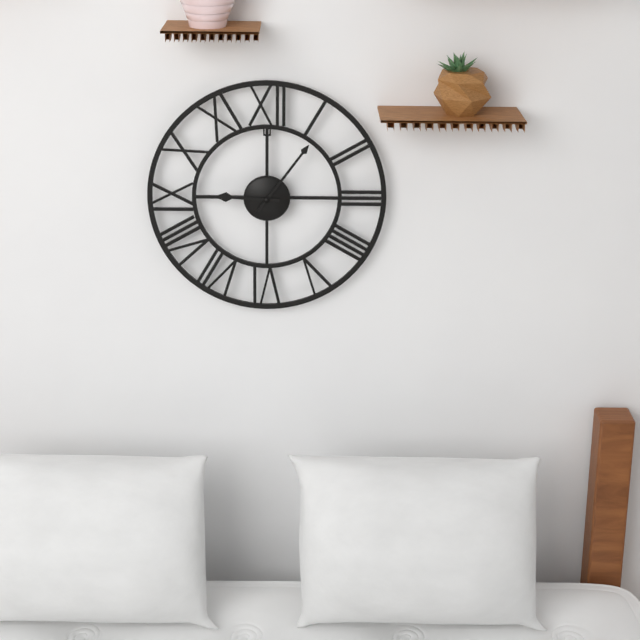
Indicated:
9.06
